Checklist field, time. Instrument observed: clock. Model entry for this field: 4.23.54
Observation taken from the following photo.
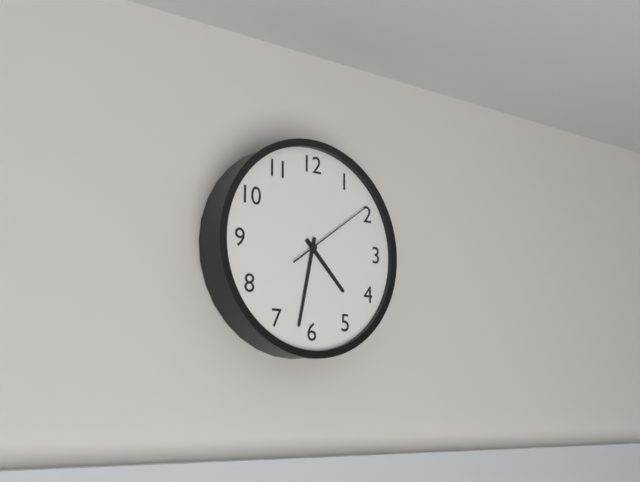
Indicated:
4.32.09
